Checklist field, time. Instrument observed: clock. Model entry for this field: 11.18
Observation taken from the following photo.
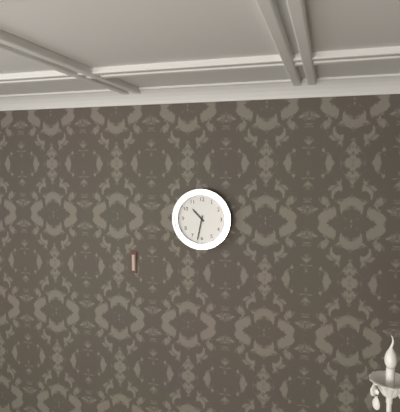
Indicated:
10.32
